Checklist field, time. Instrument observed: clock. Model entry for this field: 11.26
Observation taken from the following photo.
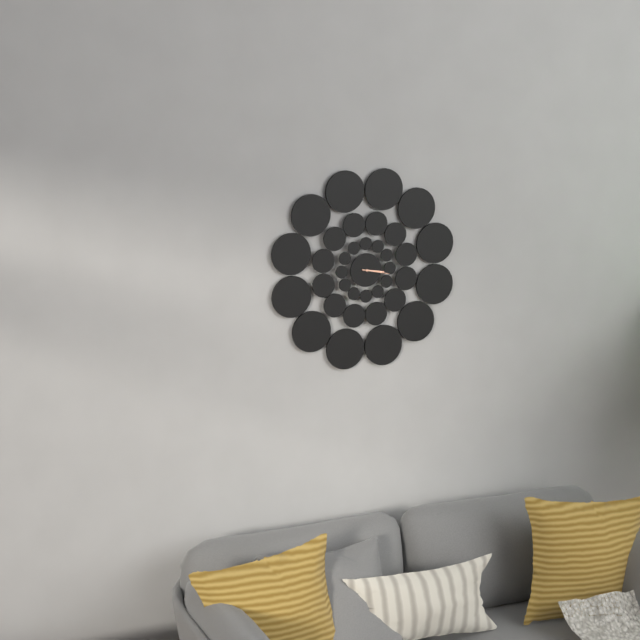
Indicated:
3.17
